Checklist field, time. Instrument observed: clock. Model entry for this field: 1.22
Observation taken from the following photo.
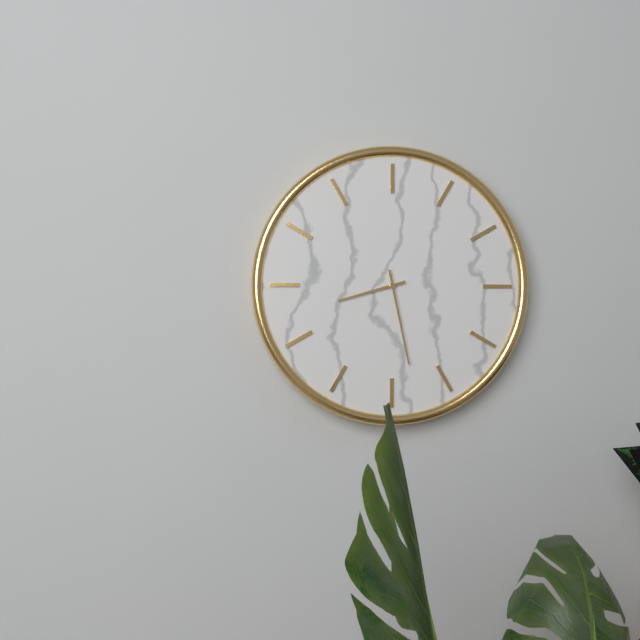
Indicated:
8.28
